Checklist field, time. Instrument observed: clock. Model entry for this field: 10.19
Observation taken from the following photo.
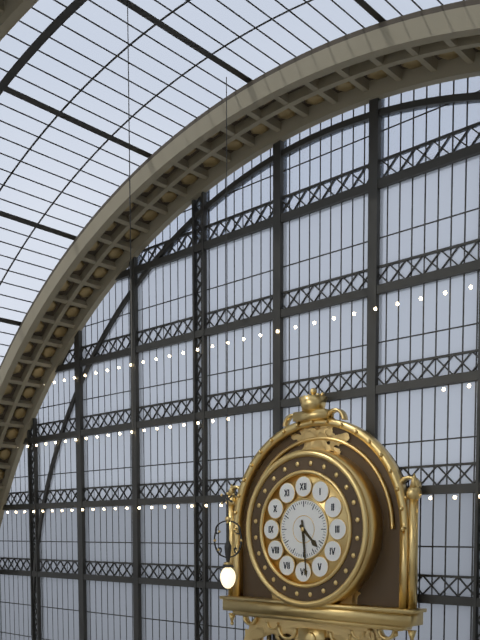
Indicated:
4.29
